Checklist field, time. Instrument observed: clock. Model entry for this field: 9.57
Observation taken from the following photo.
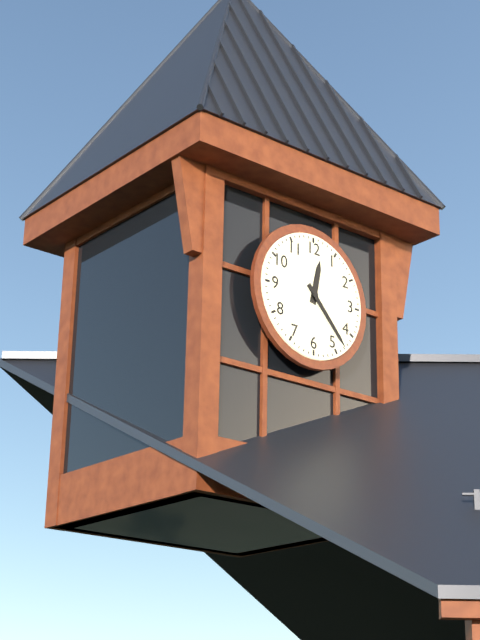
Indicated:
12.23
